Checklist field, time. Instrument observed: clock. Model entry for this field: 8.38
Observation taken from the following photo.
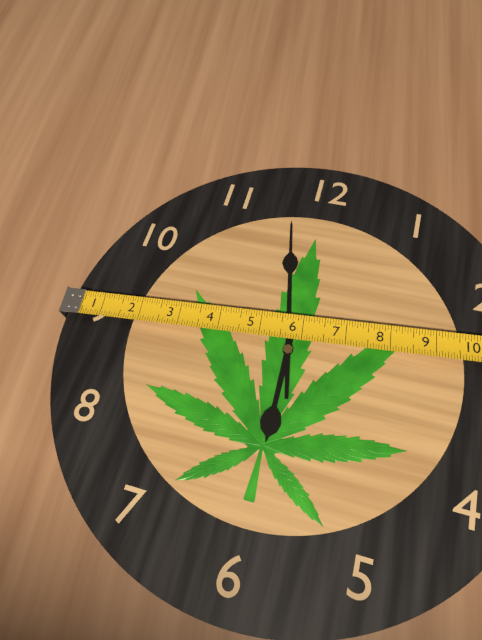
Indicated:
5.58
